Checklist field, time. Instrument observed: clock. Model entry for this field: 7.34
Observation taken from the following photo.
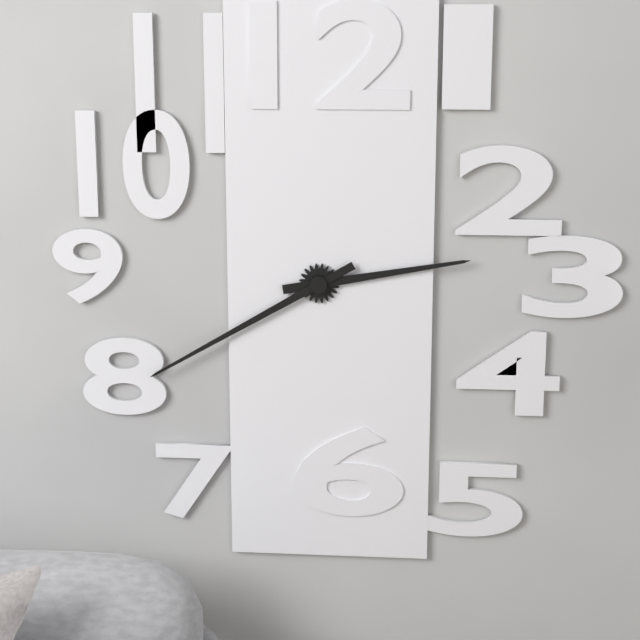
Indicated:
2.40
